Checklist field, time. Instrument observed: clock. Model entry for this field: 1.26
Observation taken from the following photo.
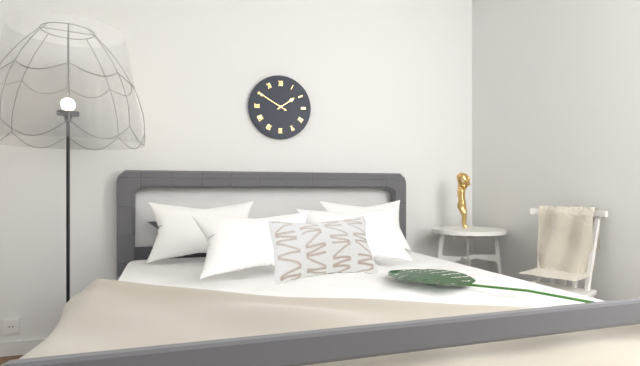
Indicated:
1.50
